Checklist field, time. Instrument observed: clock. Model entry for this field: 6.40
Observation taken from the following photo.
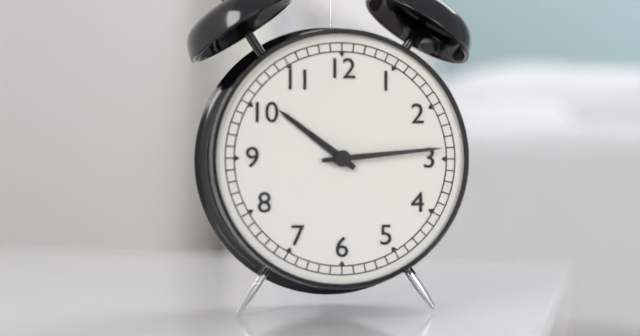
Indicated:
10.14
